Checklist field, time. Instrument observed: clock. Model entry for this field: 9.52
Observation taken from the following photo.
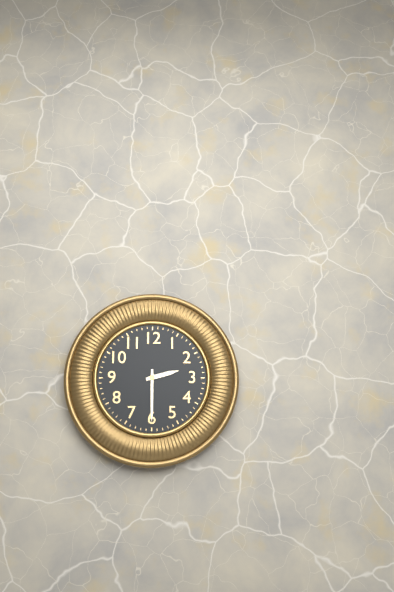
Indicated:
2.30
